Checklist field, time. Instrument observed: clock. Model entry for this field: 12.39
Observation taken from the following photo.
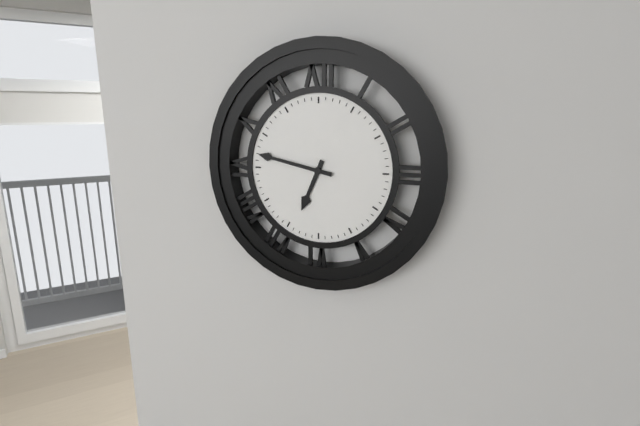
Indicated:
6.47
